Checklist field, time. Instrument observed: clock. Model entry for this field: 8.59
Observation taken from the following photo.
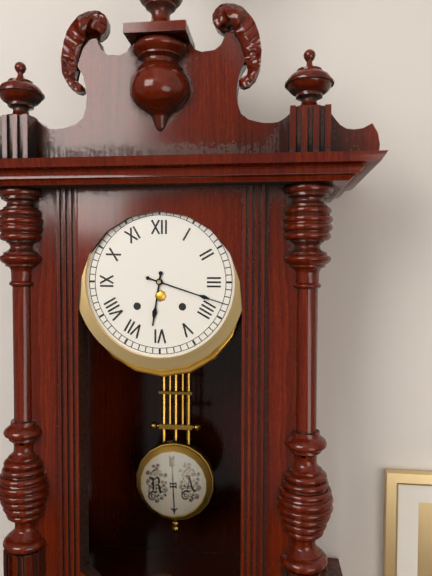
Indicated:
6.18
